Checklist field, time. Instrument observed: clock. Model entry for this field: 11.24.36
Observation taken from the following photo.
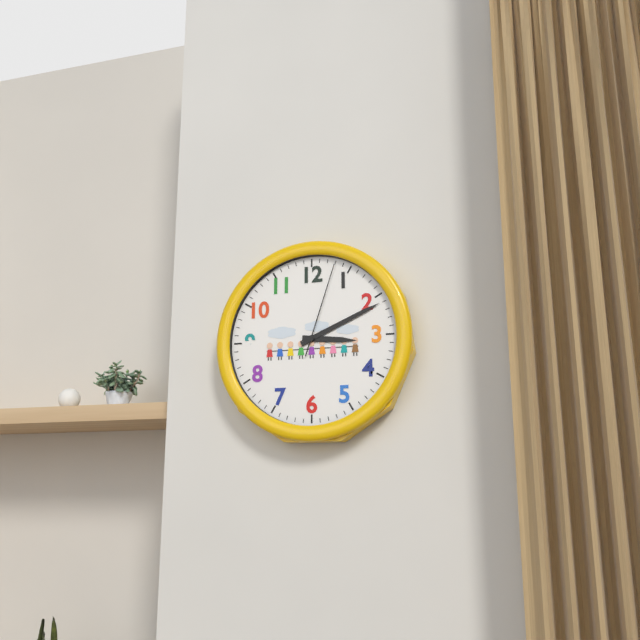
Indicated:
3.11.03
